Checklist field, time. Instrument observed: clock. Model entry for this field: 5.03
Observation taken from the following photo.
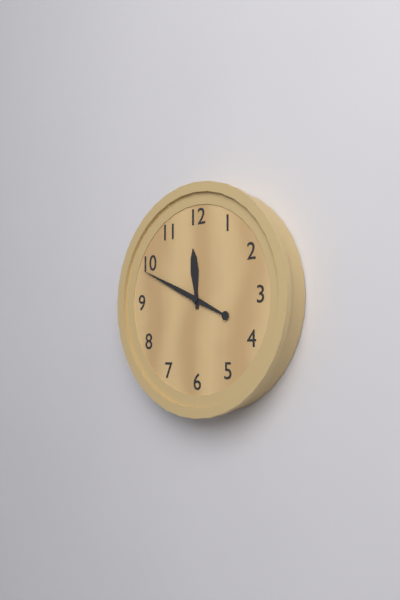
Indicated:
11.49
